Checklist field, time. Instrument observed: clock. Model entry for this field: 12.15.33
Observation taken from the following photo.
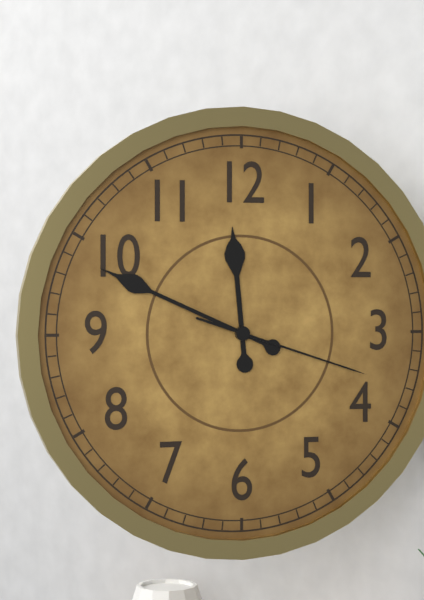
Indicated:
11.49.18
